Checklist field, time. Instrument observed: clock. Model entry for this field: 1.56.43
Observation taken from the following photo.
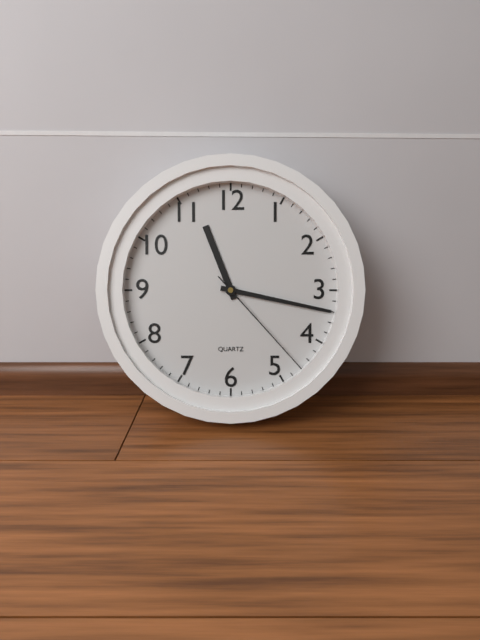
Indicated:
11.17.23
